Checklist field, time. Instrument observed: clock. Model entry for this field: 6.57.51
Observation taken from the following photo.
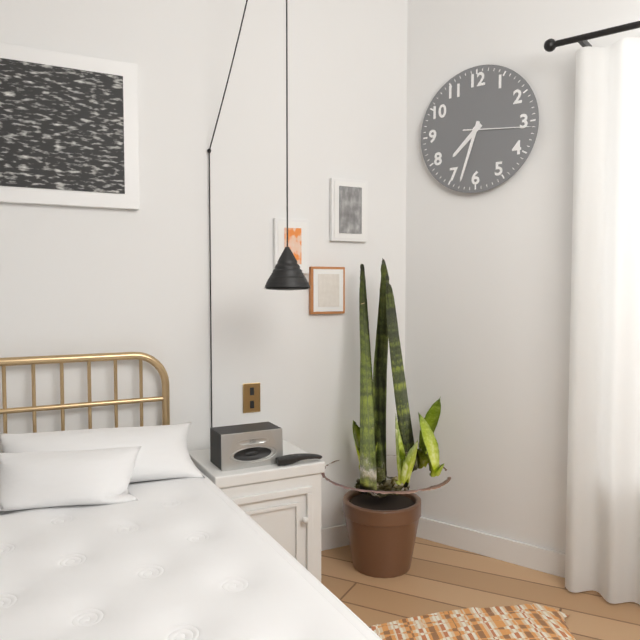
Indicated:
7.33.16
